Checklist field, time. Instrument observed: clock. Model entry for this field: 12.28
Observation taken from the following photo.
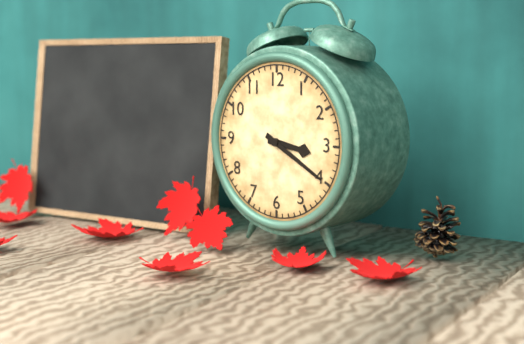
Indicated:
3.20
